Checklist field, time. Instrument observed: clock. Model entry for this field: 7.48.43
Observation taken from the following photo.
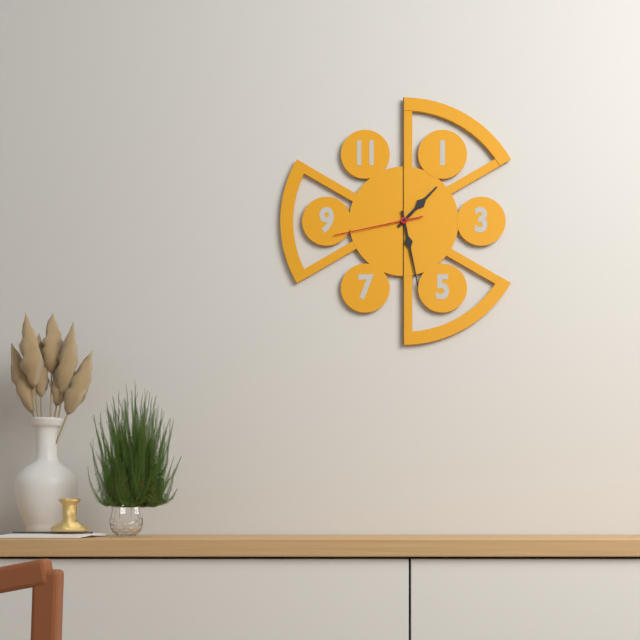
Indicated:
1.28.43
